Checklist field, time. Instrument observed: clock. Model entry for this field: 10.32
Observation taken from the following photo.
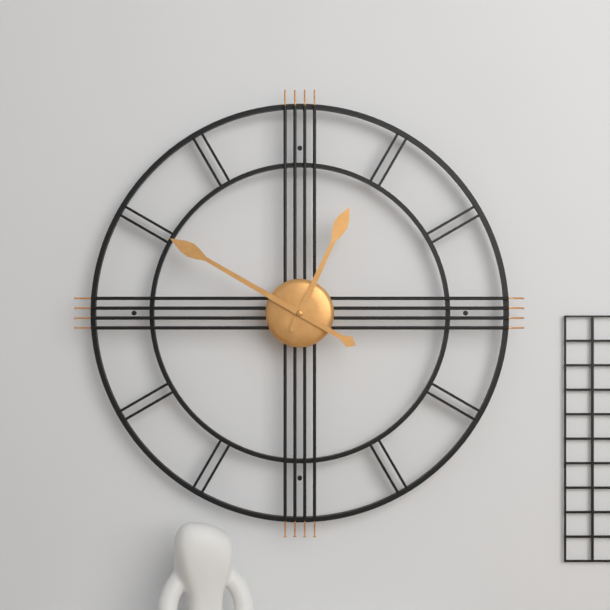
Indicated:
12.50
